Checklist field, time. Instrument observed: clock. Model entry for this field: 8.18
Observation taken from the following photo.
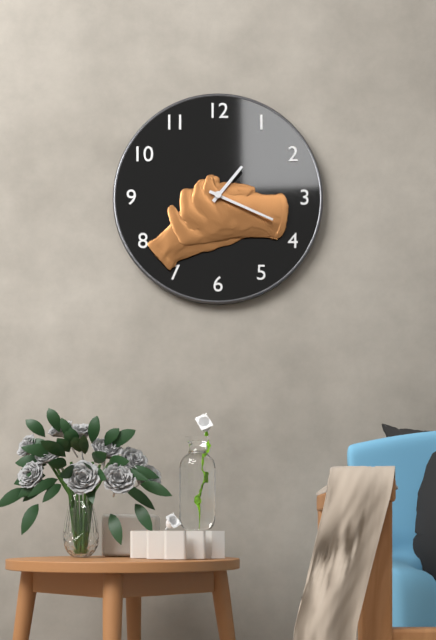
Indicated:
1.19
